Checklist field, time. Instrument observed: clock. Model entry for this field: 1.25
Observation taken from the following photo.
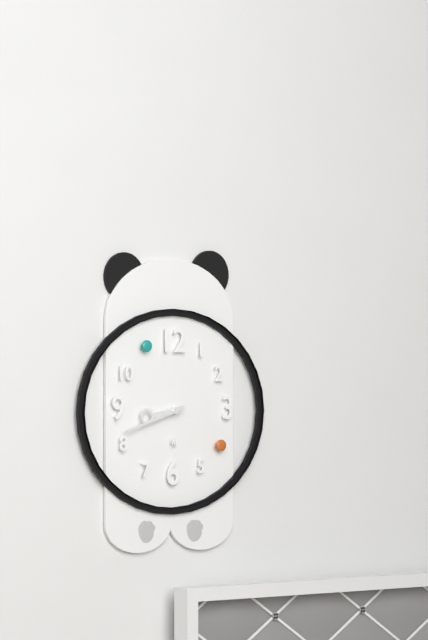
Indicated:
8.42
